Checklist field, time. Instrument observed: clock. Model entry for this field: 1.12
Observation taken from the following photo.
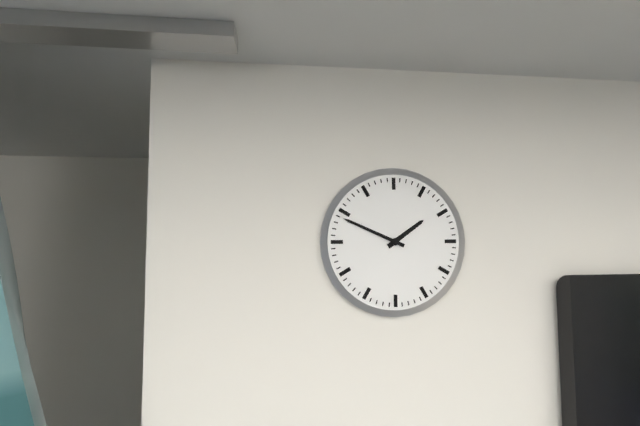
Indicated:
1.49
